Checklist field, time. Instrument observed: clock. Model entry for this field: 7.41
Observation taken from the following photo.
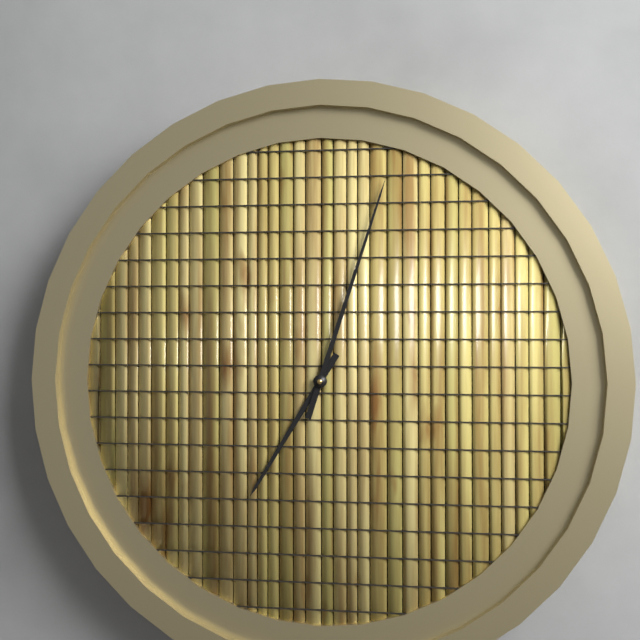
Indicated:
7.03
